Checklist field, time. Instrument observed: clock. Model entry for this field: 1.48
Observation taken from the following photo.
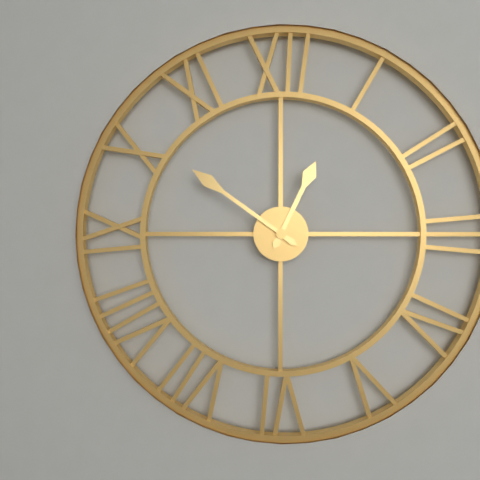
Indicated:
12.51
